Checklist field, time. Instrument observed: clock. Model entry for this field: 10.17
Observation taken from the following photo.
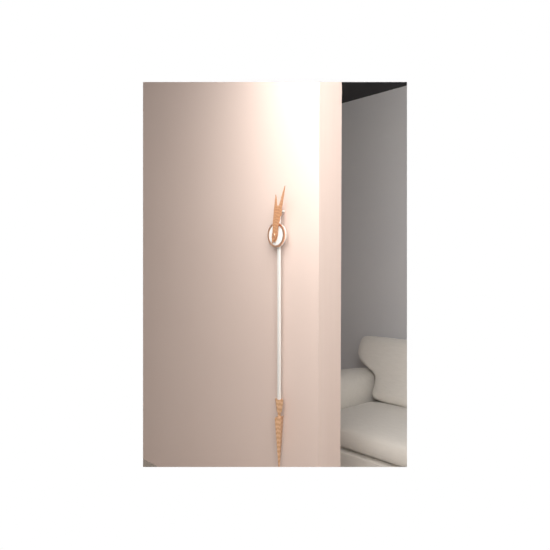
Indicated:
12.03
